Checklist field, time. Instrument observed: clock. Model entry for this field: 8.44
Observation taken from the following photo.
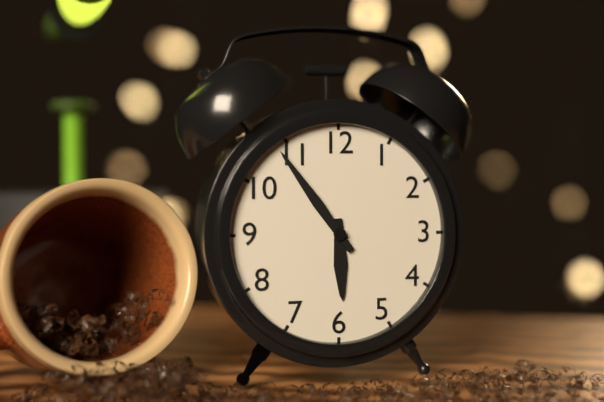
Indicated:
5.54
